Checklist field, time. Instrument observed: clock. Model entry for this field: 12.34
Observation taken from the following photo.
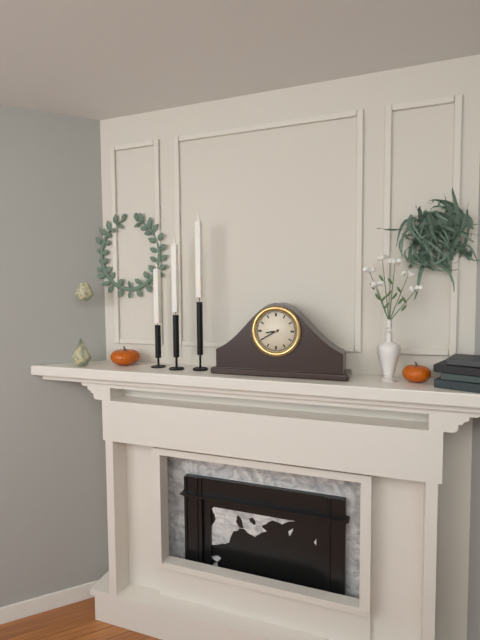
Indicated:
8.40
